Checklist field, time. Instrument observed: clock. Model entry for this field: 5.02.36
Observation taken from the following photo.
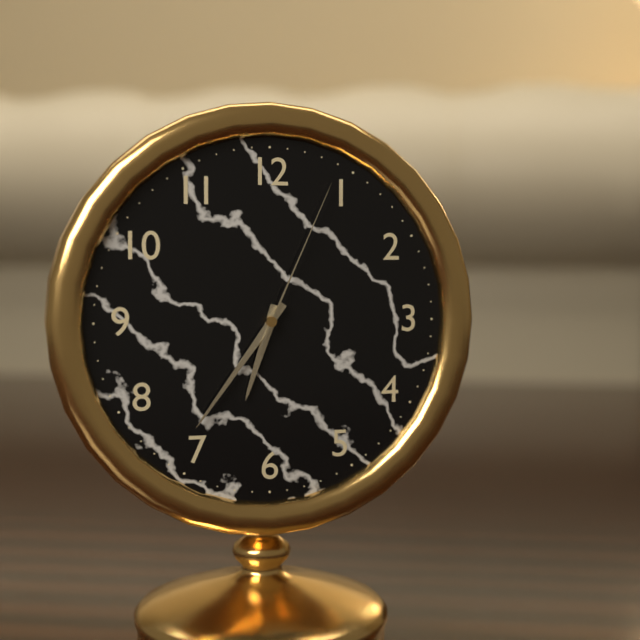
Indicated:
6.36.04
